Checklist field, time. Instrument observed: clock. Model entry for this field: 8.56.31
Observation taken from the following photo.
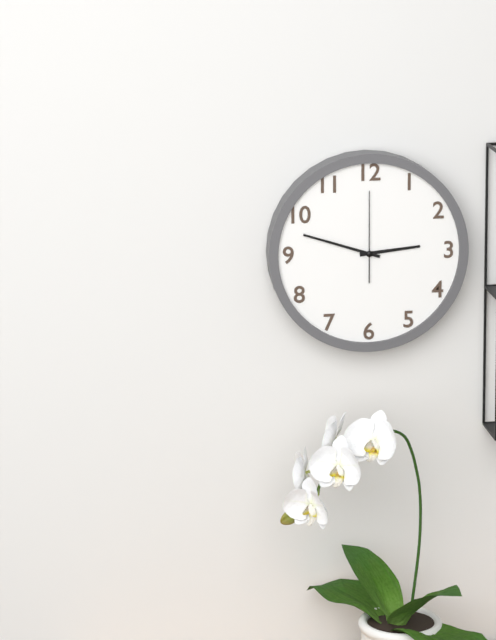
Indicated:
2.48.00
